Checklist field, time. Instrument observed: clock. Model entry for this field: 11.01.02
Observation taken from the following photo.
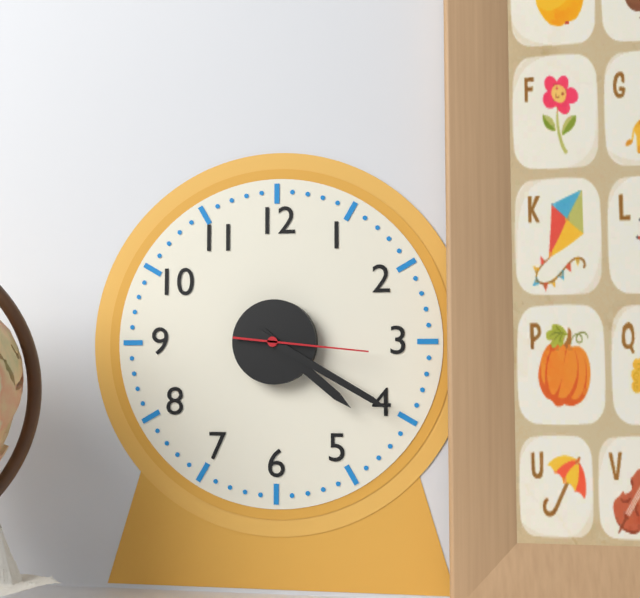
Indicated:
4.20.16
